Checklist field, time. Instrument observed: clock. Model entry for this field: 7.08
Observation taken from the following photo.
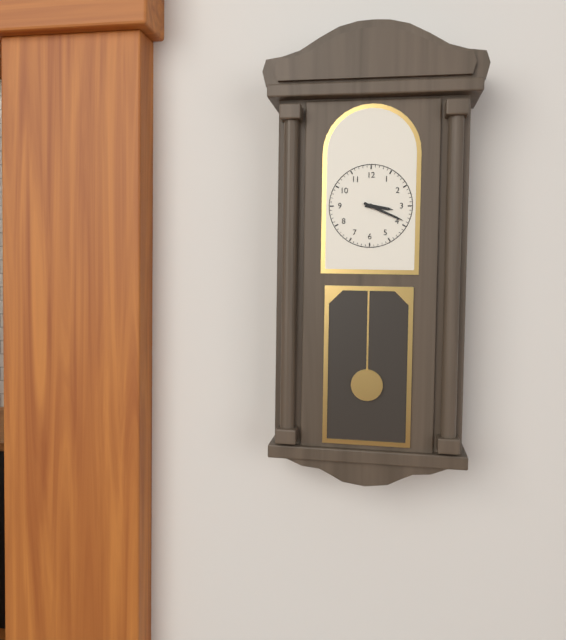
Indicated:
3.19
